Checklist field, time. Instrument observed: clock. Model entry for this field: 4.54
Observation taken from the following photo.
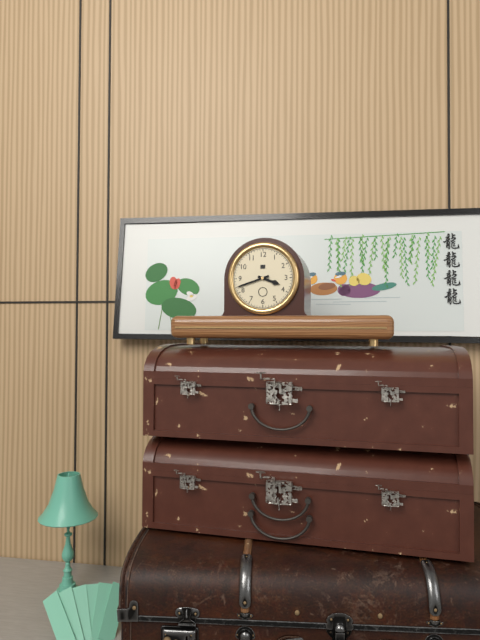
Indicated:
3.42
